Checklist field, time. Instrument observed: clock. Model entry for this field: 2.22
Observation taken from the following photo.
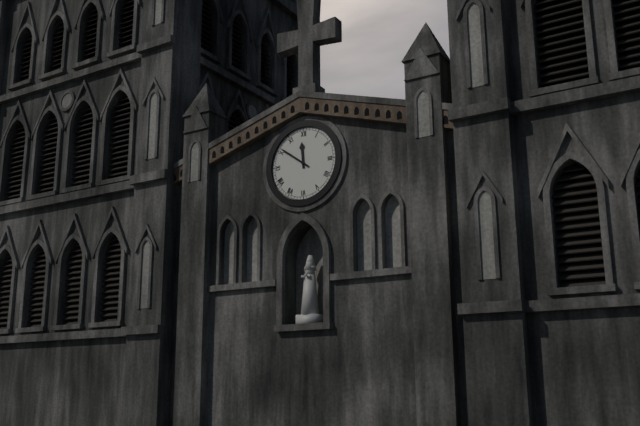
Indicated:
11.51
